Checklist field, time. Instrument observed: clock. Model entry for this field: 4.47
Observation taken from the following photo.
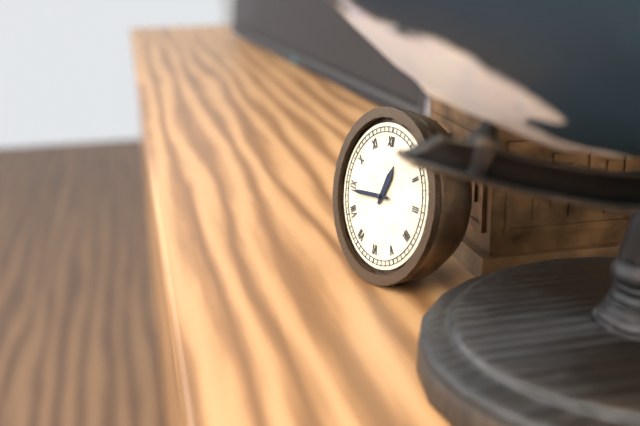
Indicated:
12.44
